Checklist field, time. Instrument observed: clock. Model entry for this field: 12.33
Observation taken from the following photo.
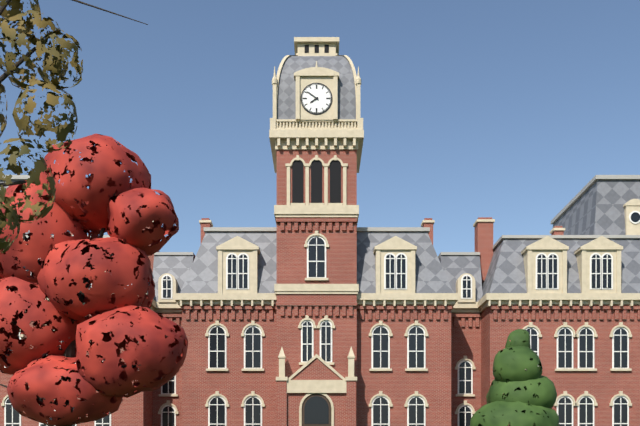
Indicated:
7.51
